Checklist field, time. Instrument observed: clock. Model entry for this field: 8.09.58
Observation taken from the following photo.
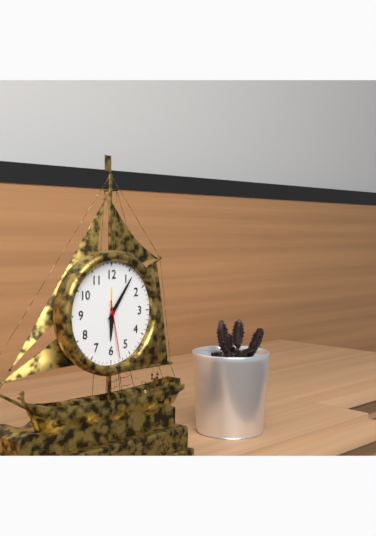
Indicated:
6.06.28
